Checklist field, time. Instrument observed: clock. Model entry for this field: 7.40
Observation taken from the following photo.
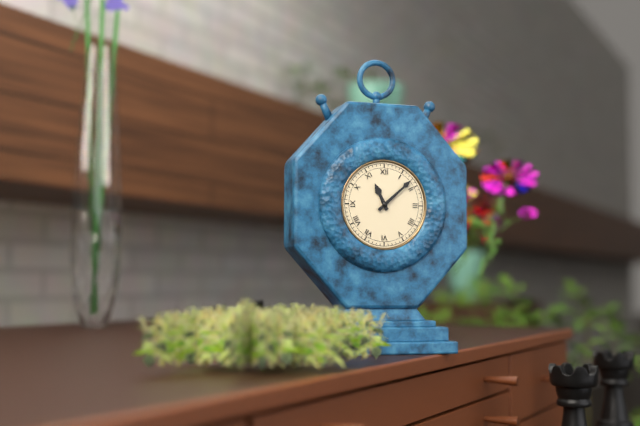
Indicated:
11.08
